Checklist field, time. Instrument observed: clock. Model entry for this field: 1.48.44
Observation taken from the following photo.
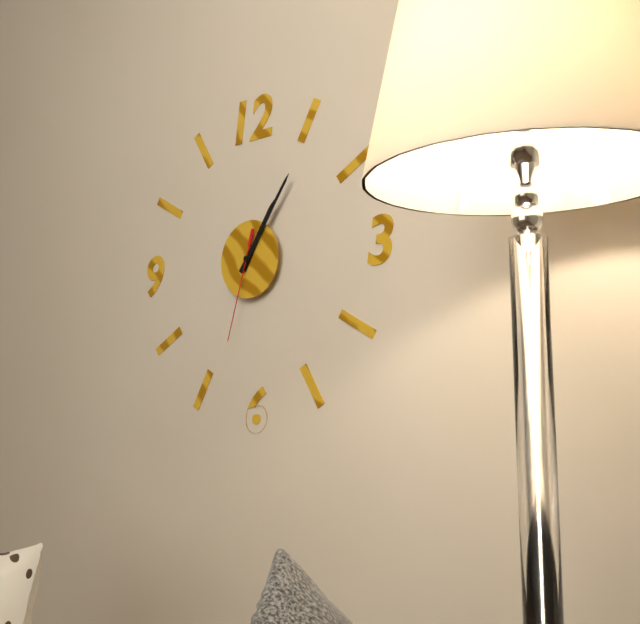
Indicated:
1.06.33
